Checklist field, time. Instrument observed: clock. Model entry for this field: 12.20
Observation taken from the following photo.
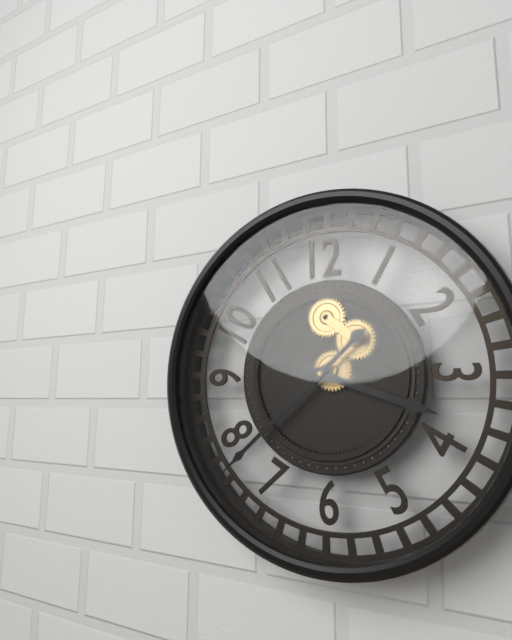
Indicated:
3.38
